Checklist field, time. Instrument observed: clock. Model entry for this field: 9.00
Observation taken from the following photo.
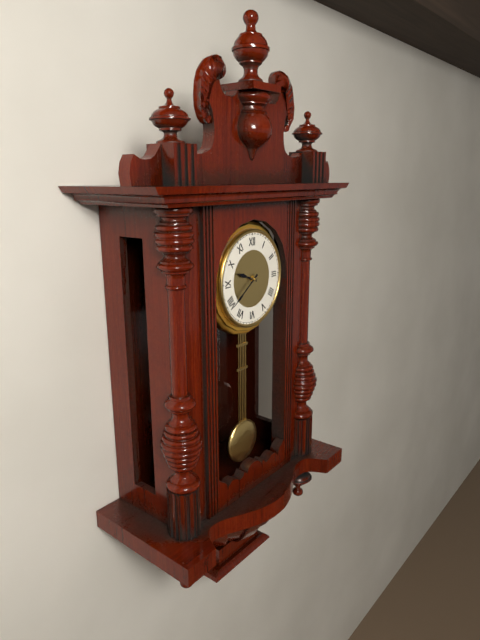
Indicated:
9.39
